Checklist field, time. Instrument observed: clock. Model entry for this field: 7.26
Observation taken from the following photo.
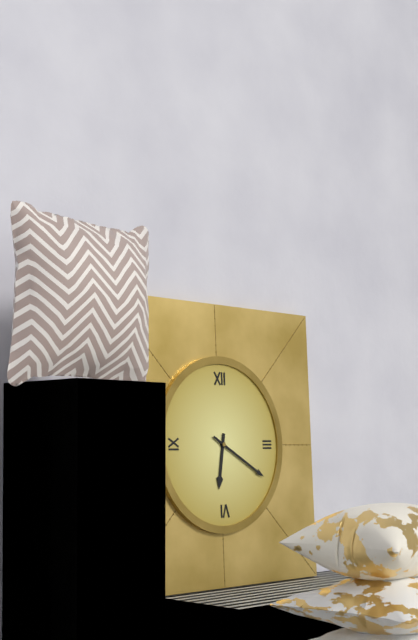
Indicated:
6.20
